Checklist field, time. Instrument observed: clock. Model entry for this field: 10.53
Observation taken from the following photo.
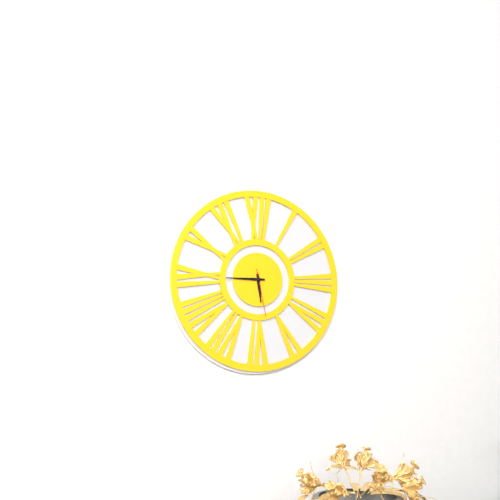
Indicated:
5.45
